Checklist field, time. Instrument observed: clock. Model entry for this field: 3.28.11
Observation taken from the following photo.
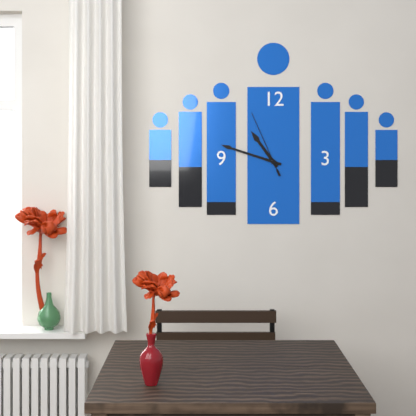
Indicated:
10.48.56
